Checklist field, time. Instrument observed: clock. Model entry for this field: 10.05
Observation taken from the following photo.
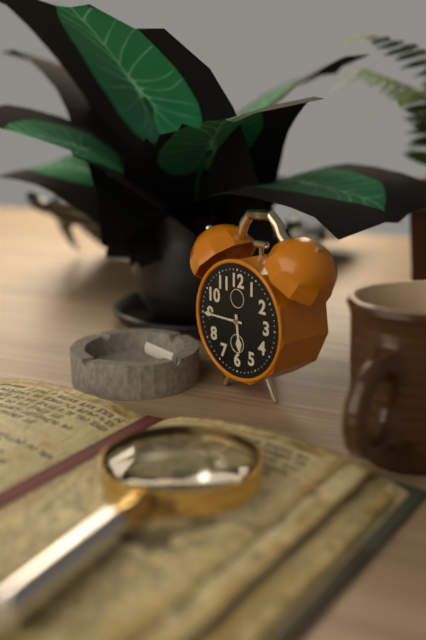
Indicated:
5.45
